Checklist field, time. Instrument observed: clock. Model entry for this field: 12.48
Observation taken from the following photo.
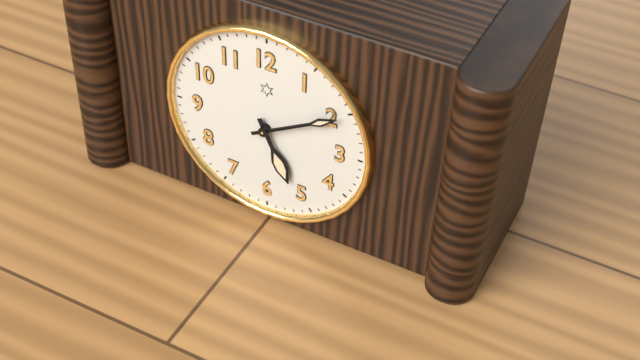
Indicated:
5.10
